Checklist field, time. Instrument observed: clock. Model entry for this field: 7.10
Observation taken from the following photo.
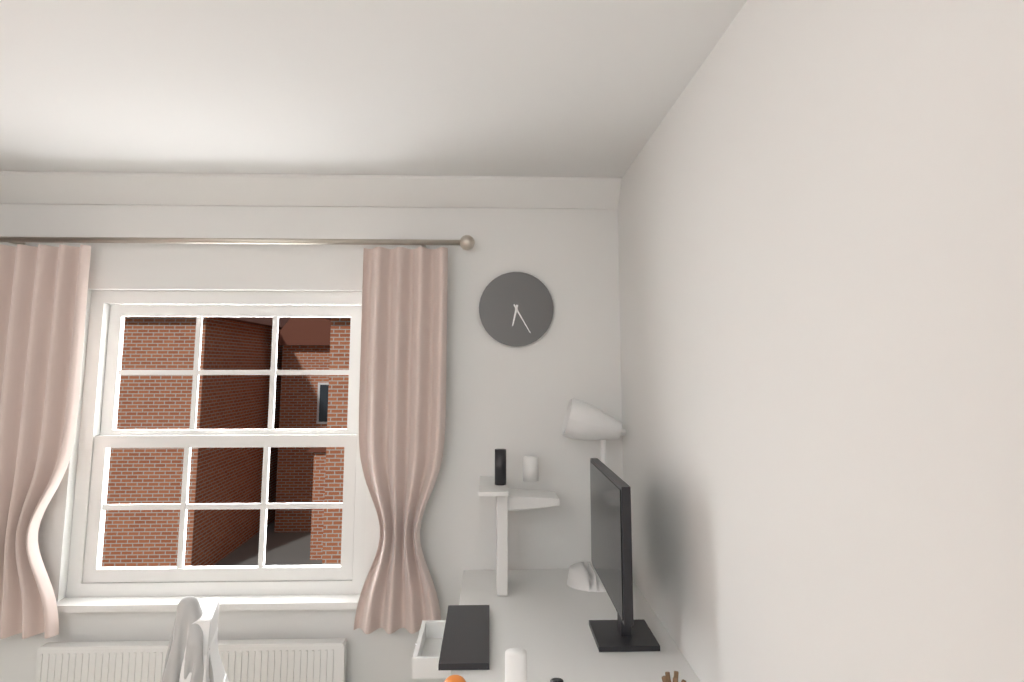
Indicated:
6.25
